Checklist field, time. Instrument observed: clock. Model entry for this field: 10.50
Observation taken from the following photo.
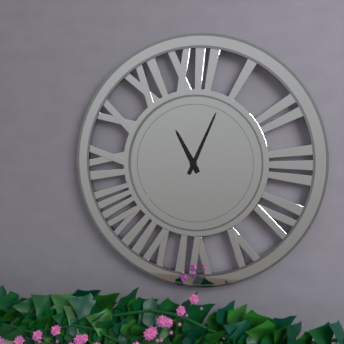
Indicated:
11.04
